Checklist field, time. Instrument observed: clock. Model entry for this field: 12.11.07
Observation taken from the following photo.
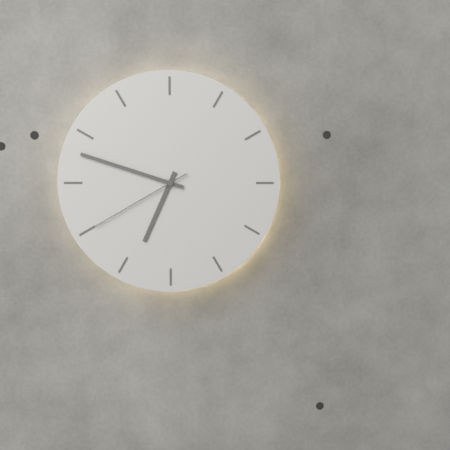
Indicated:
6.48.40
